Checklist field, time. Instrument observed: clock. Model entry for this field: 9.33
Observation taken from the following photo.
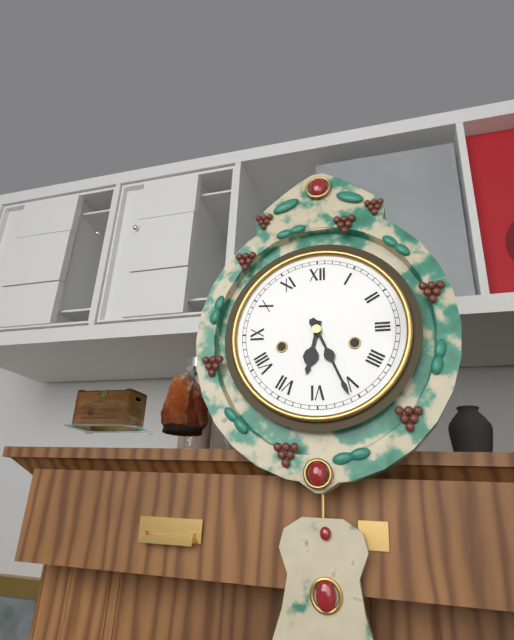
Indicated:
6.26
